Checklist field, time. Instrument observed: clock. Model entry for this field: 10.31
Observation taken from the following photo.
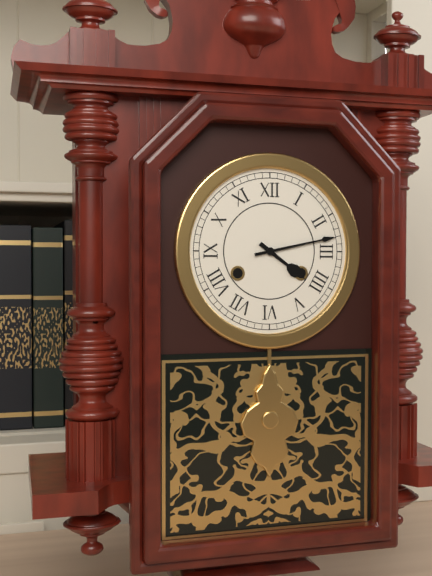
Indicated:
4.13
